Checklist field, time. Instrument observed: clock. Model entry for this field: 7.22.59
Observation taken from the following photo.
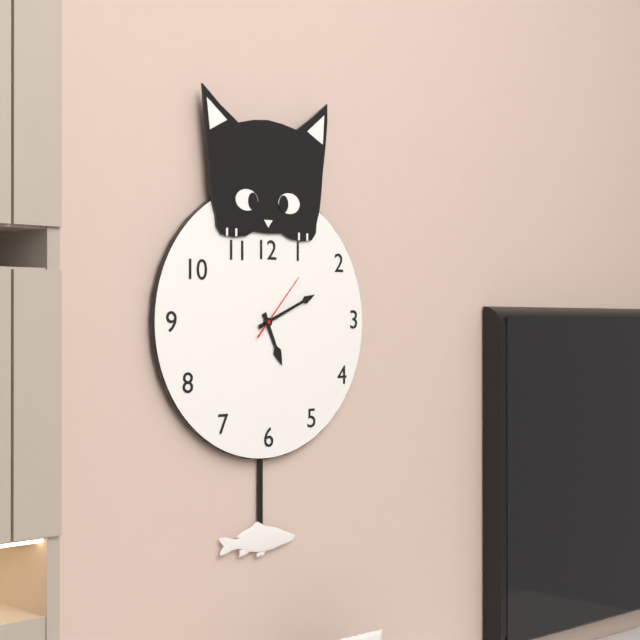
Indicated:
5.11.07
